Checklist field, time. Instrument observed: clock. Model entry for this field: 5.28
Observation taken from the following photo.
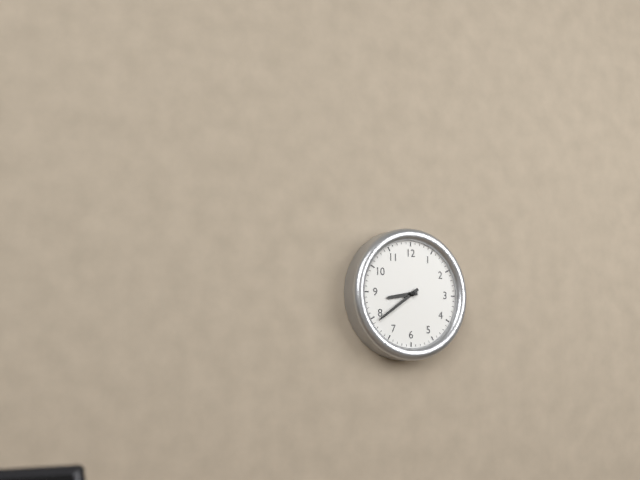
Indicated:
8.39
